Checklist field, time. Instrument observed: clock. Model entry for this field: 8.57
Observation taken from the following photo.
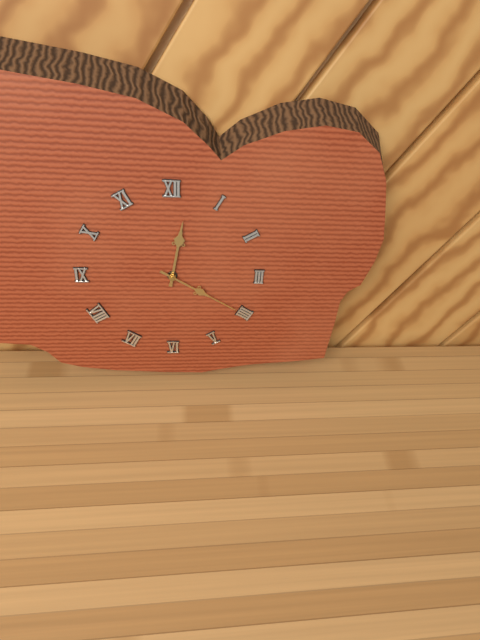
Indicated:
12.20
